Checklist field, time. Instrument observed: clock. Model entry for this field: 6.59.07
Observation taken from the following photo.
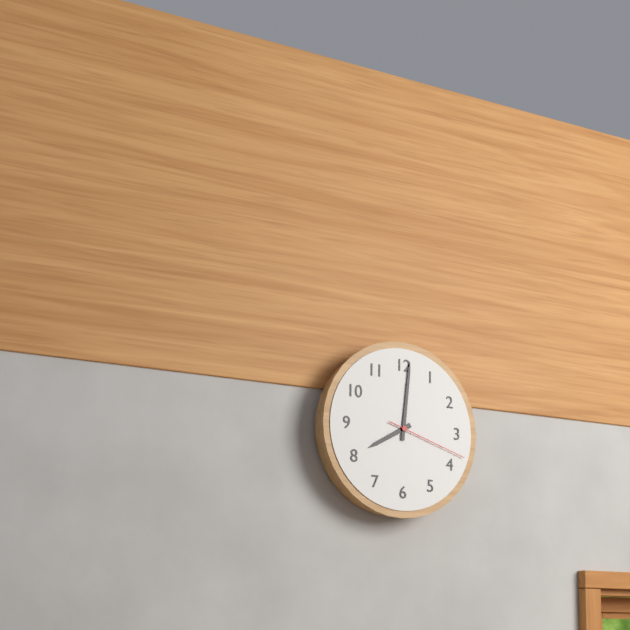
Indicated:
8.01.18
